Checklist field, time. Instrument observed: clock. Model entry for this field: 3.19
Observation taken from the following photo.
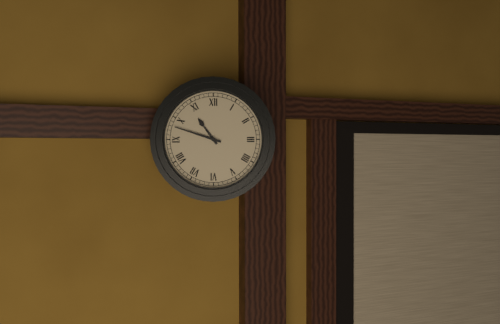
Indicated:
10.48
